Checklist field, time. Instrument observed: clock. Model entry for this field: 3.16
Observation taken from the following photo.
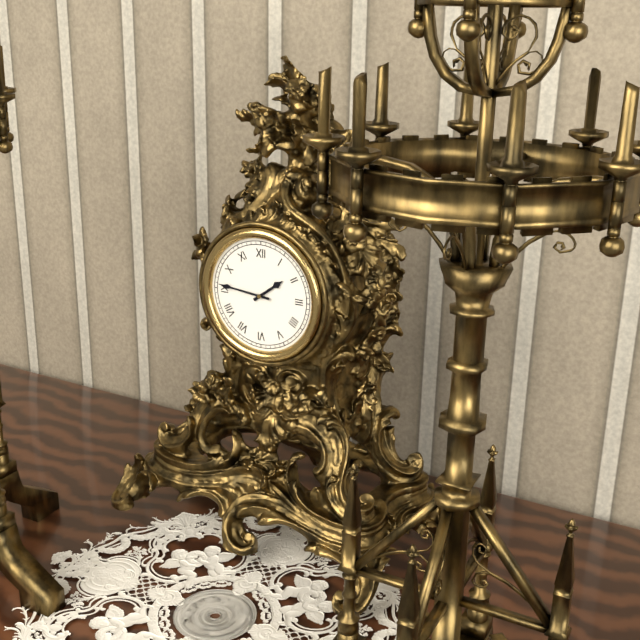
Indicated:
1.46
